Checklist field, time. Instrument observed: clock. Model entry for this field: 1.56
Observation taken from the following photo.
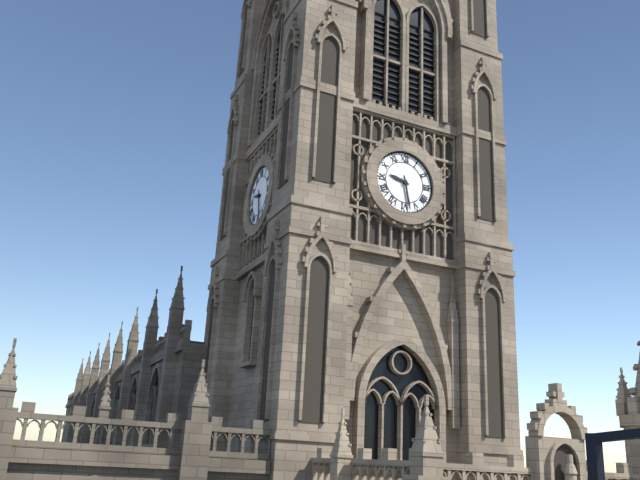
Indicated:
9.28
